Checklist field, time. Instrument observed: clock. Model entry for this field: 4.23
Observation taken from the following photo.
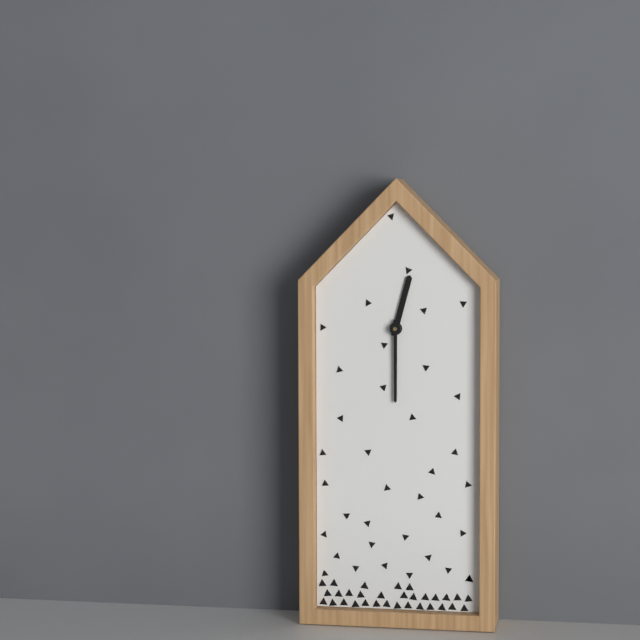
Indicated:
12.30
